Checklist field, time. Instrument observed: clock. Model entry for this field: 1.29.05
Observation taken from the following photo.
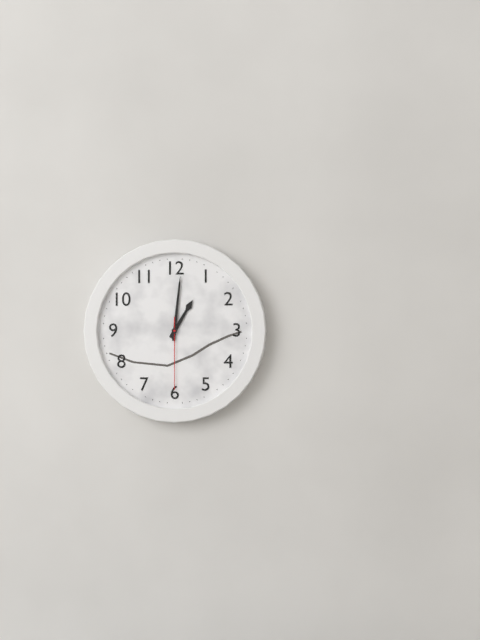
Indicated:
1.01.30
